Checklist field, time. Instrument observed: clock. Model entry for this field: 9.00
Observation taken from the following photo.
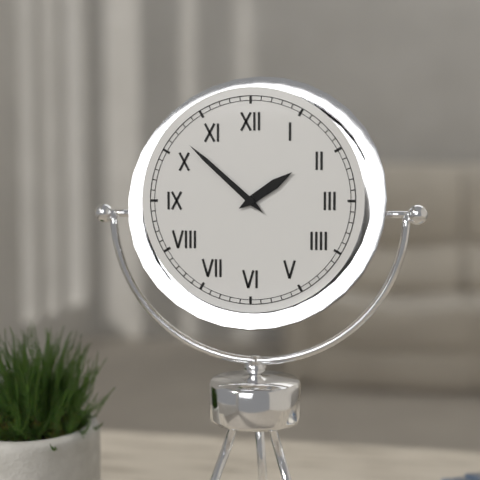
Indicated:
1.52
